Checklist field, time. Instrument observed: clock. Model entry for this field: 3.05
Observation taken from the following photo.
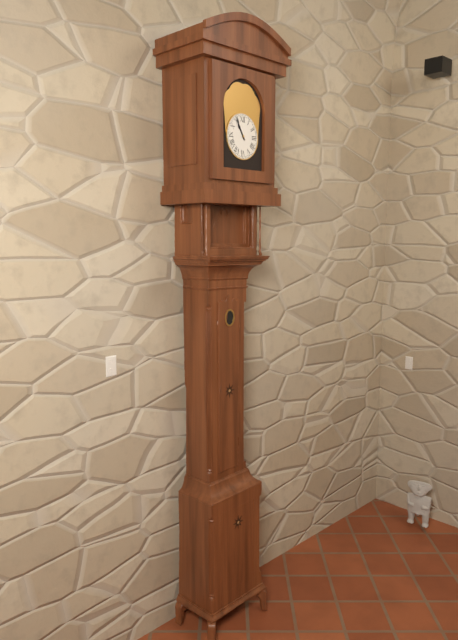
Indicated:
10.55
